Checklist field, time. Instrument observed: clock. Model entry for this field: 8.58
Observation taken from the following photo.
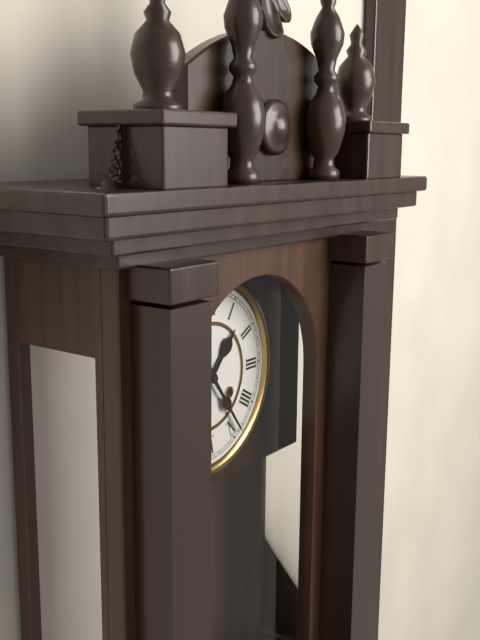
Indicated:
1.24
